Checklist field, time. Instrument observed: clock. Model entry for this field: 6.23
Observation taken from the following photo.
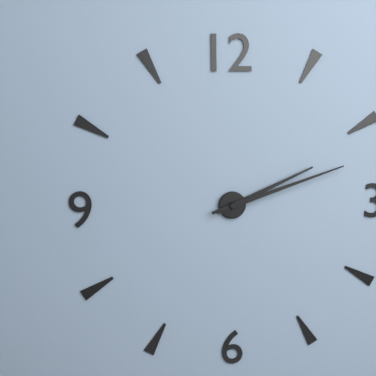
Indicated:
2.12
